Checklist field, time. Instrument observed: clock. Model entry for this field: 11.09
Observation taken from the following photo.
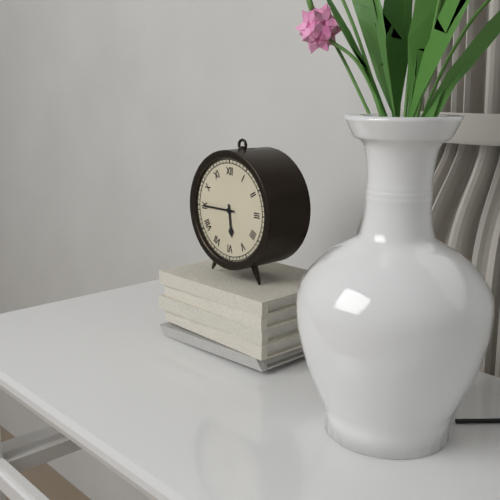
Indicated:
5.45
